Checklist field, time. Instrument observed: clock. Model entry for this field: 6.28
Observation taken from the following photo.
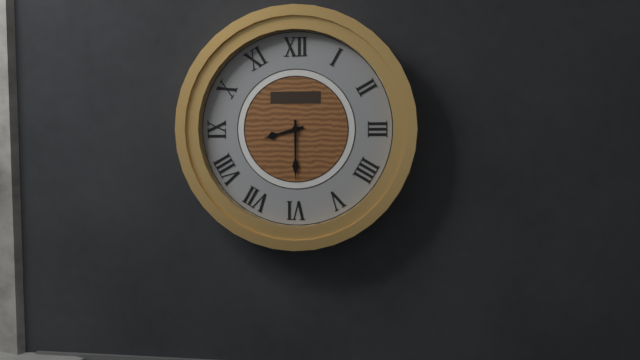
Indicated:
8.30
